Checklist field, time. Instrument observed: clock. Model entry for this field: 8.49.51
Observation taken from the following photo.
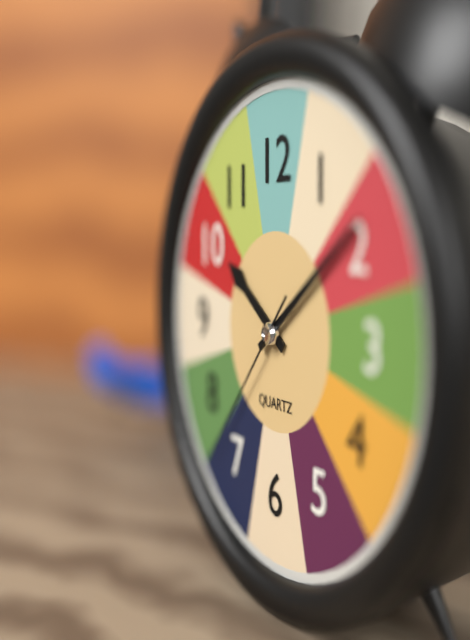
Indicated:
10.09.37
